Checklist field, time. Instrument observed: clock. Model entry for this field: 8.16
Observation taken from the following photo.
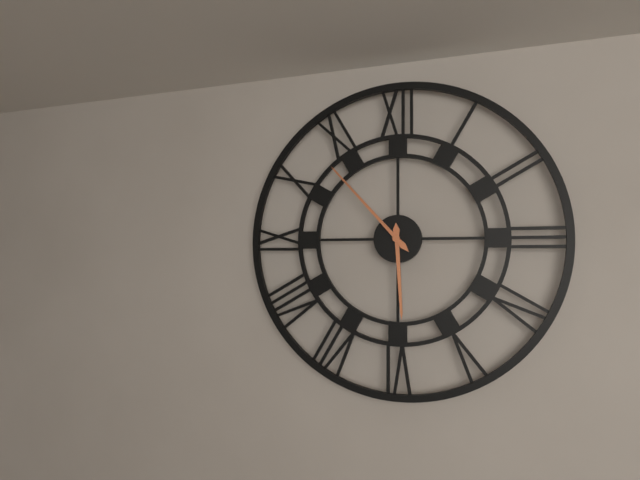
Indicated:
5.53
